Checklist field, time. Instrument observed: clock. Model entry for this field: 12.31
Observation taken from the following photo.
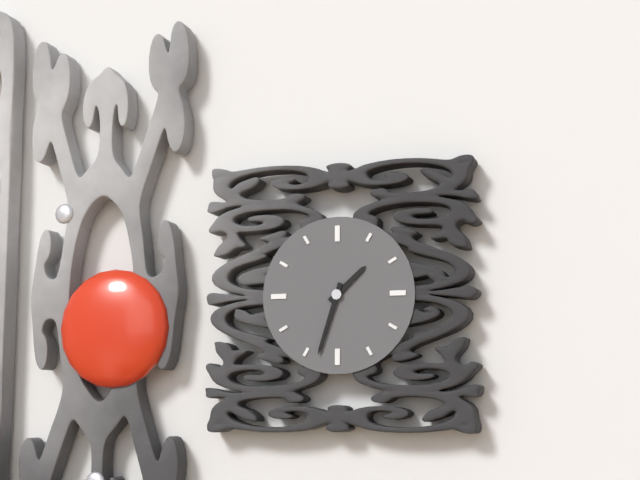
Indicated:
1.33
